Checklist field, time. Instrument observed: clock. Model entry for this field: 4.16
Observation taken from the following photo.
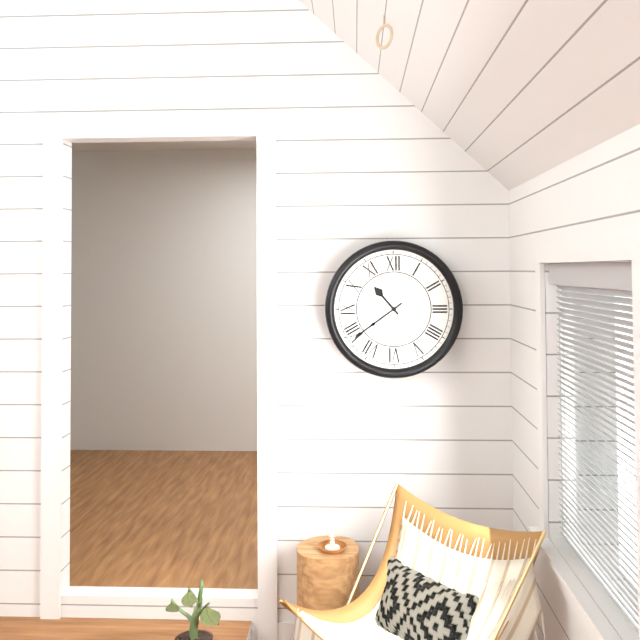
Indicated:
10.39
